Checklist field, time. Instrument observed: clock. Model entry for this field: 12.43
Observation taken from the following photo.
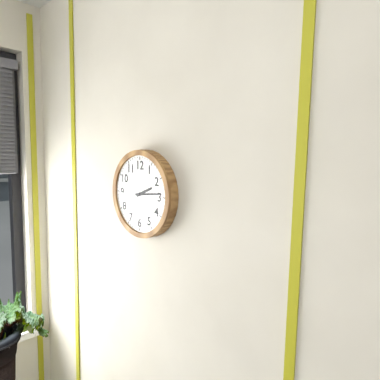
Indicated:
2.14
